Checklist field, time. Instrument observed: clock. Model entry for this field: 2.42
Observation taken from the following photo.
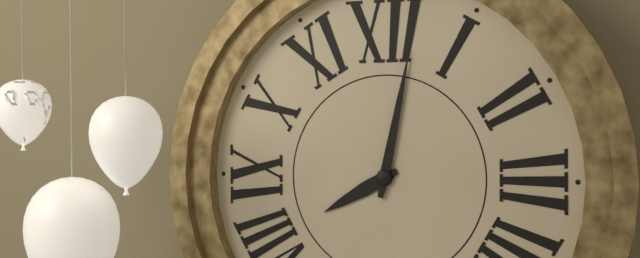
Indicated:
8.02
